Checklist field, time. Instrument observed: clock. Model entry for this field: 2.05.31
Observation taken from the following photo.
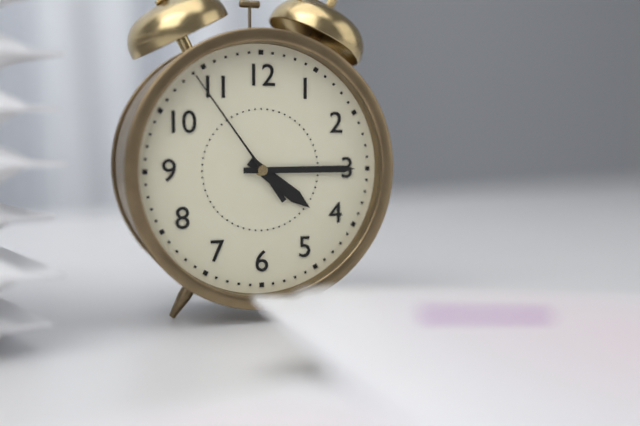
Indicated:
4.15.54
